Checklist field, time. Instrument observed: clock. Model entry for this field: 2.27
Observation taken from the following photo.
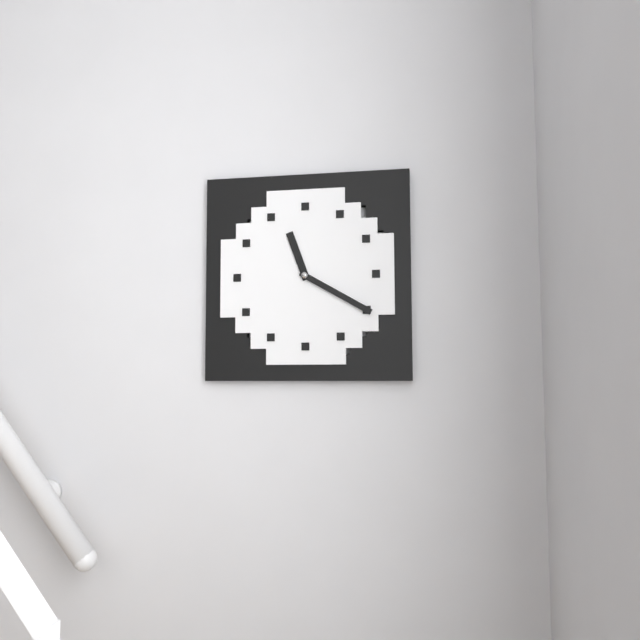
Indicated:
11.20
